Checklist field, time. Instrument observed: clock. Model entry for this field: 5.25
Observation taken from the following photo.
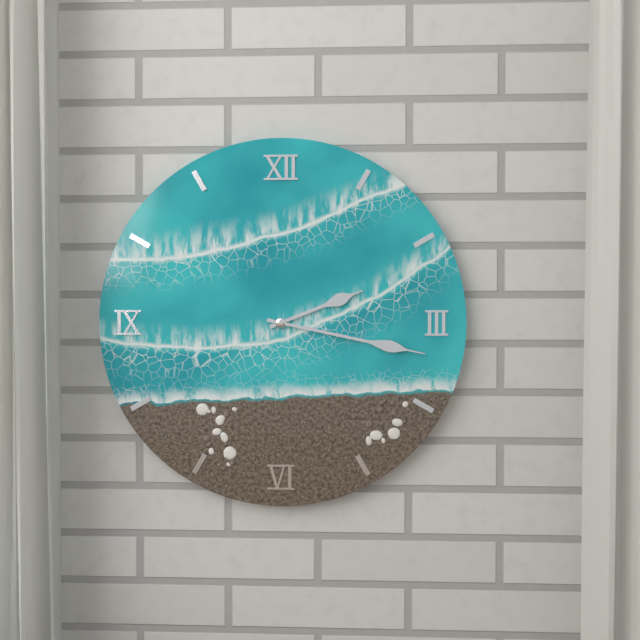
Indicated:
2.17
